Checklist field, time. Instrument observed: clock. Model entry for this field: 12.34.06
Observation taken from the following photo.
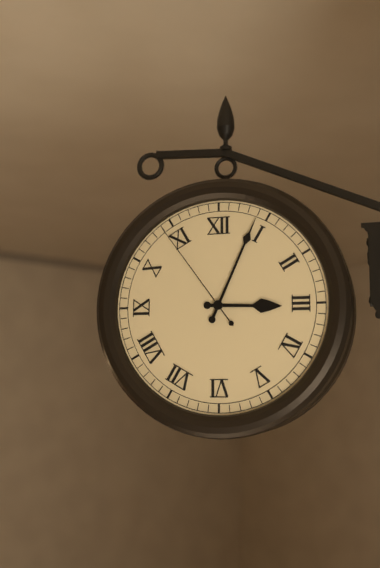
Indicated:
3.04.54
